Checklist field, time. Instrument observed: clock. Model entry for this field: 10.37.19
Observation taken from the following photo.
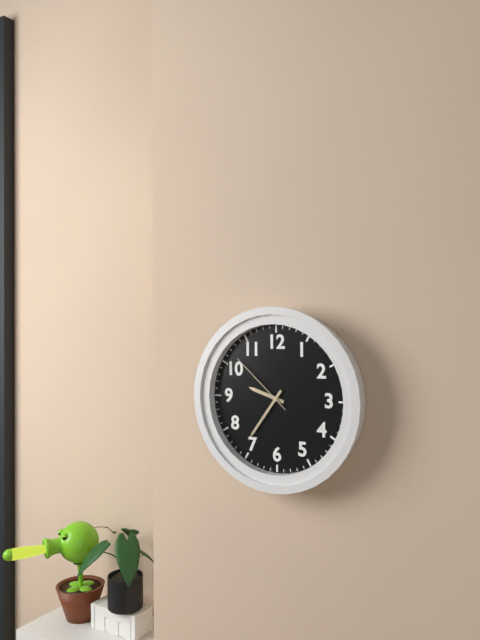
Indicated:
9.36.52
